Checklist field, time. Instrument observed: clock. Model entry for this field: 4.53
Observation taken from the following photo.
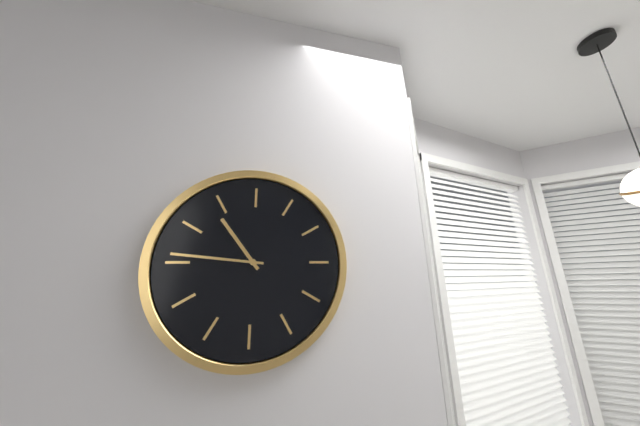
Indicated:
10.46
